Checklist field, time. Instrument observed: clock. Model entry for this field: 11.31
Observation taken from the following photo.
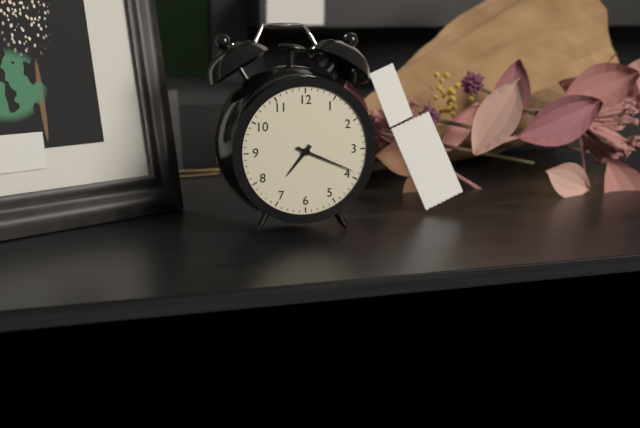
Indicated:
7.19
